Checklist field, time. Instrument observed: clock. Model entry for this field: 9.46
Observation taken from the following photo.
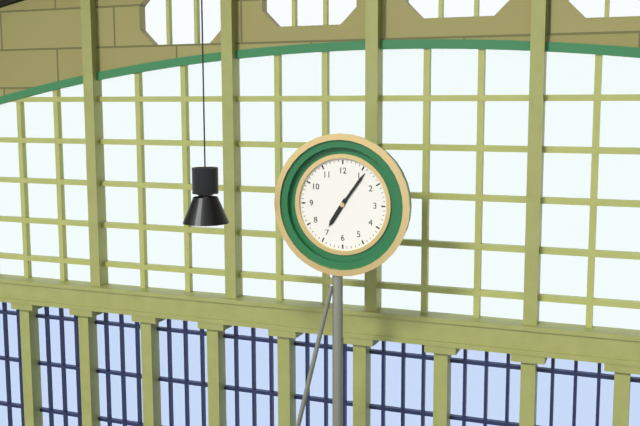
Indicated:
7.06
